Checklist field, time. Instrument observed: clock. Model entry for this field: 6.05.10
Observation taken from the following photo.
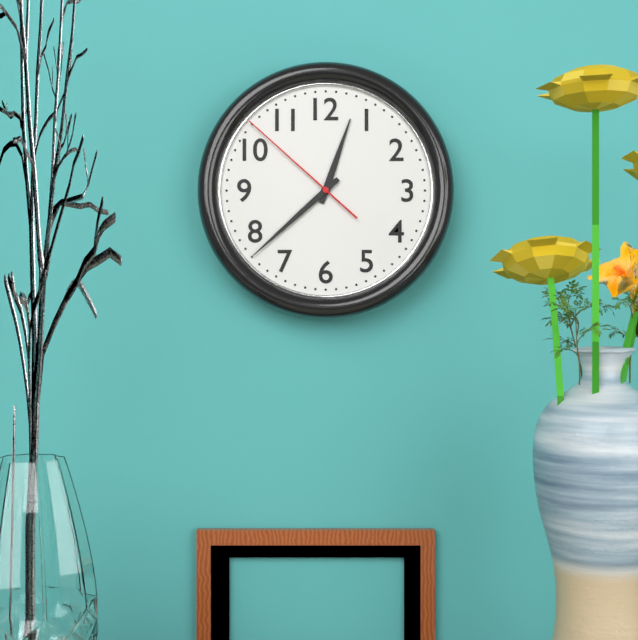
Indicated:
12.38.52
